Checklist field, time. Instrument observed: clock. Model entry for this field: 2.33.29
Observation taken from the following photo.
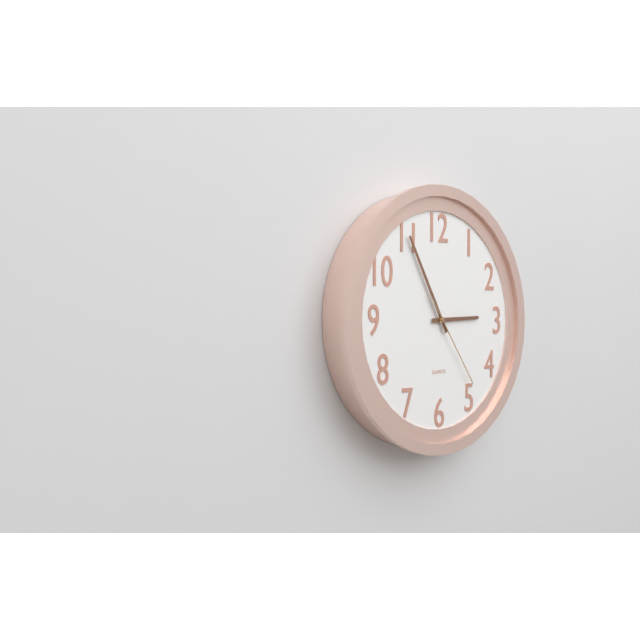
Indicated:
2.55.24
